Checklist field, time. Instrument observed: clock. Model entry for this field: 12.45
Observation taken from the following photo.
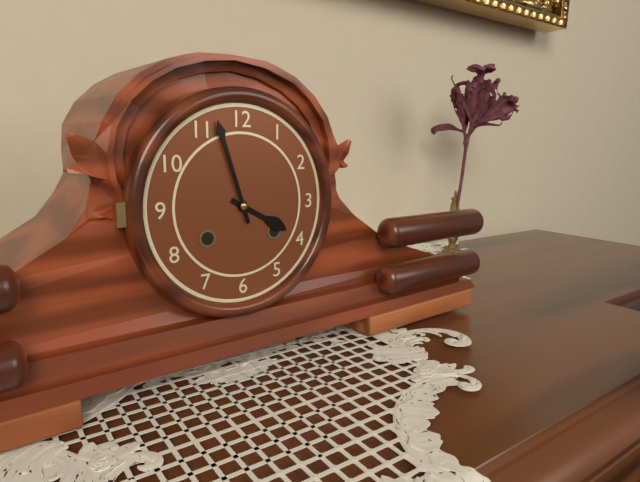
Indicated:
3.57
